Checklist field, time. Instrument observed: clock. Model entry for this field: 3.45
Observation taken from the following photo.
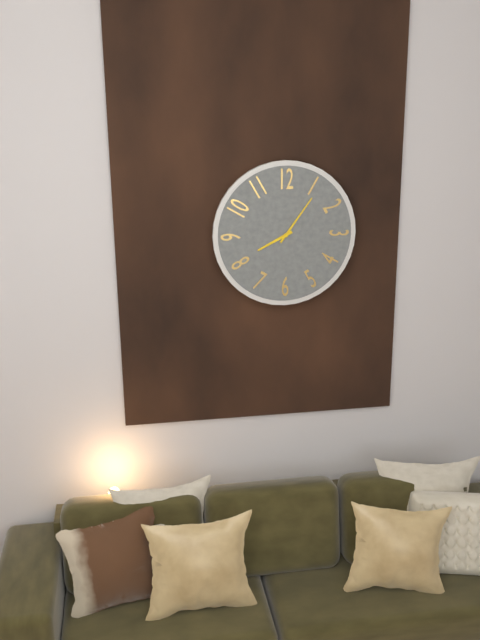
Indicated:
8.06
